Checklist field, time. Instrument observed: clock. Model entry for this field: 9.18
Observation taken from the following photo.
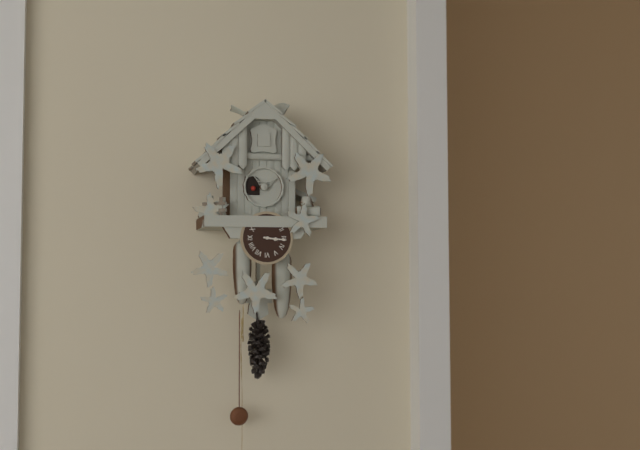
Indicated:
3.16
